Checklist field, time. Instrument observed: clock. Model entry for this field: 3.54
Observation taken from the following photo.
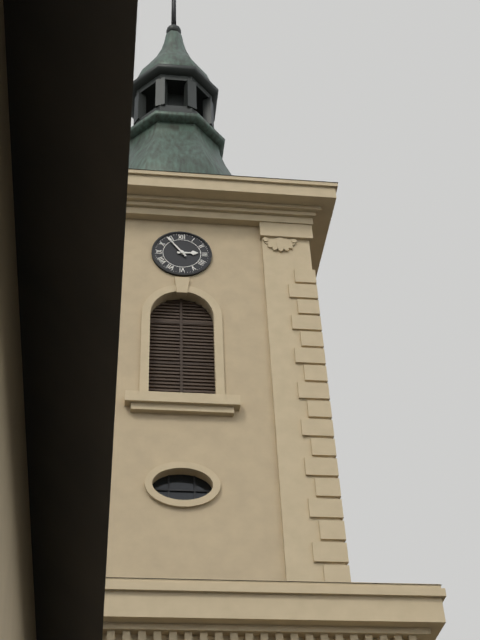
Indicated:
2.54
